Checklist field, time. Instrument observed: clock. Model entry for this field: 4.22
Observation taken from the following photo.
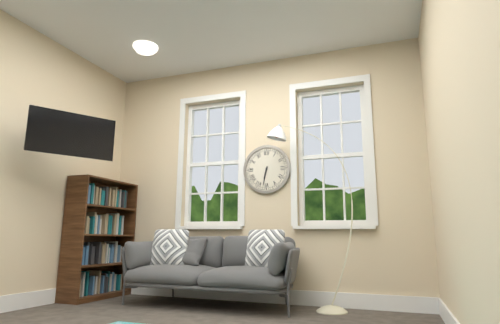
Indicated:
6.32
